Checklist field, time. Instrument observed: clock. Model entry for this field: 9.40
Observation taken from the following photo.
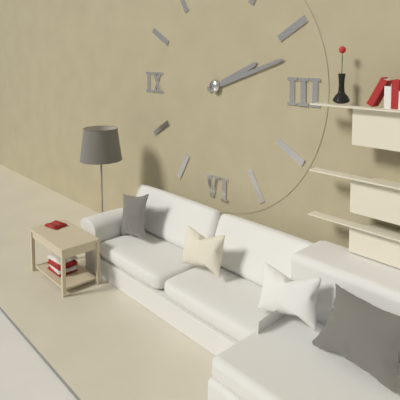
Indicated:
2.12
